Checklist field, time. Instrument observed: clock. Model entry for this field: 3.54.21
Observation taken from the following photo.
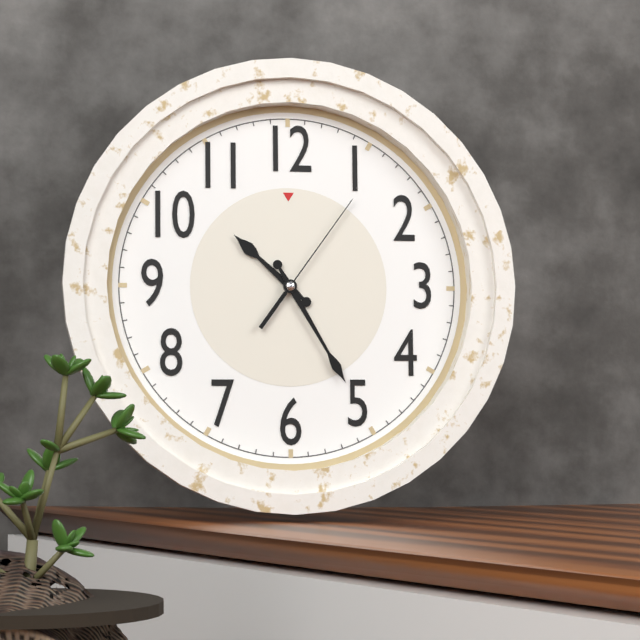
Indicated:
10.25.06
